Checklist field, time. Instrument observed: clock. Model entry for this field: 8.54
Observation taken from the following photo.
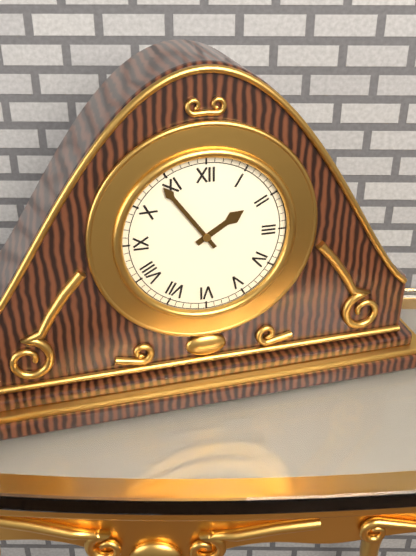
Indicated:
1.54
